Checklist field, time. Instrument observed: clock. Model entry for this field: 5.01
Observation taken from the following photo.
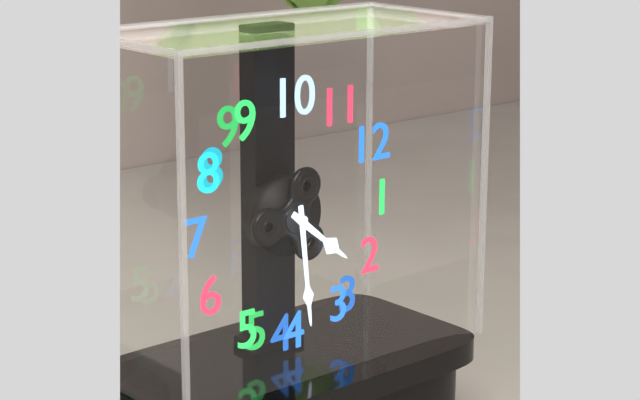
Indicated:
2.19
